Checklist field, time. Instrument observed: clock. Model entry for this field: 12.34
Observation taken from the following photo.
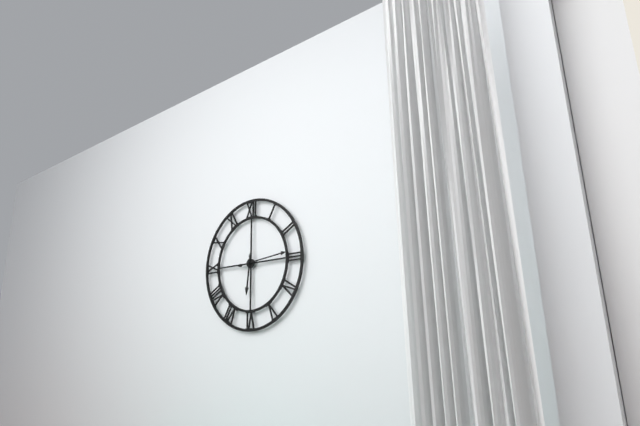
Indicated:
6.14
